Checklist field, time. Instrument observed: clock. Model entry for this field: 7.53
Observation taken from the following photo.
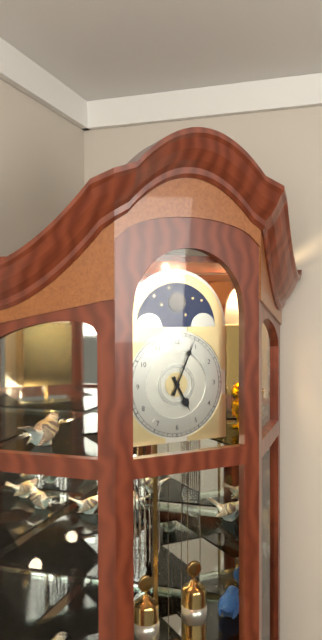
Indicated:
5.04
